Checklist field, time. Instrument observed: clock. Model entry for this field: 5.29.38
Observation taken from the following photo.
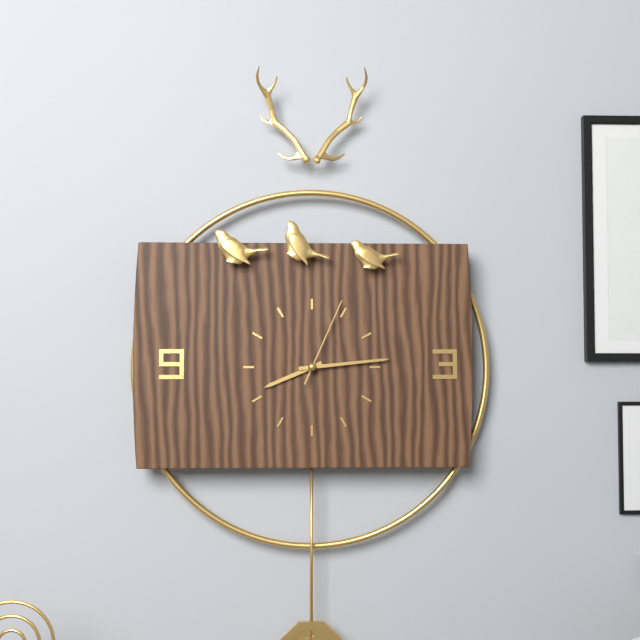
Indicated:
8.14.04
